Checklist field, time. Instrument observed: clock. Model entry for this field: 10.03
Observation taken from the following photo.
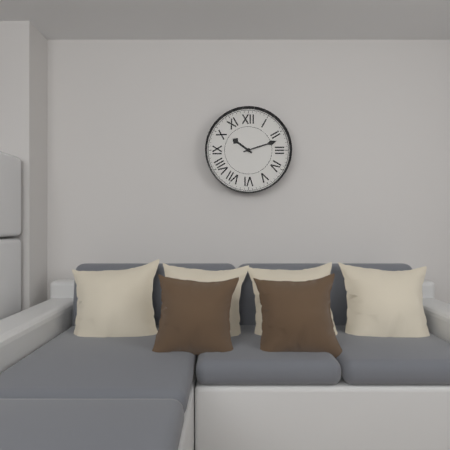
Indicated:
10.12
